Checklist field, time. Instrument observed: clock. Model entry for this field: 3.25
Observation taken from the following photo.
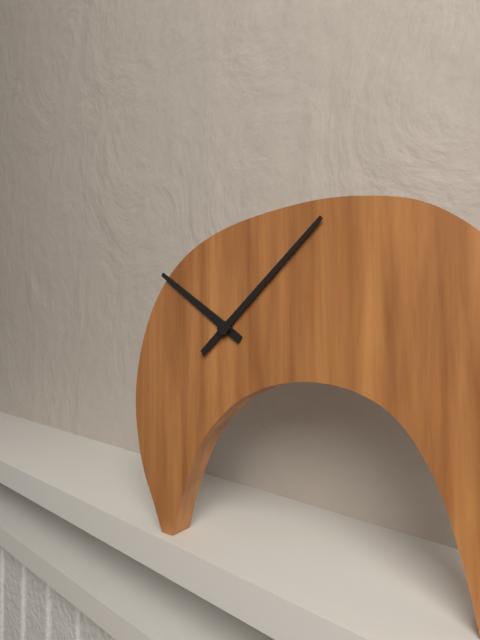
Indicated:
10.08
